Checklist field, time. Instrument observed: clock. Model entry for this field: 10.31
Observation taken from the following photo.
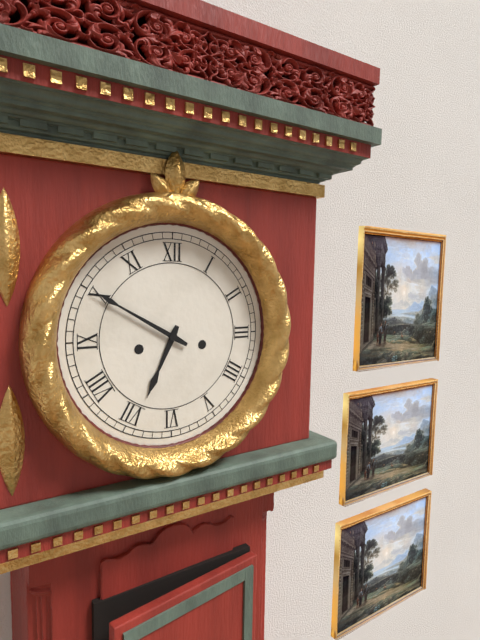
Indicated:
6.50
